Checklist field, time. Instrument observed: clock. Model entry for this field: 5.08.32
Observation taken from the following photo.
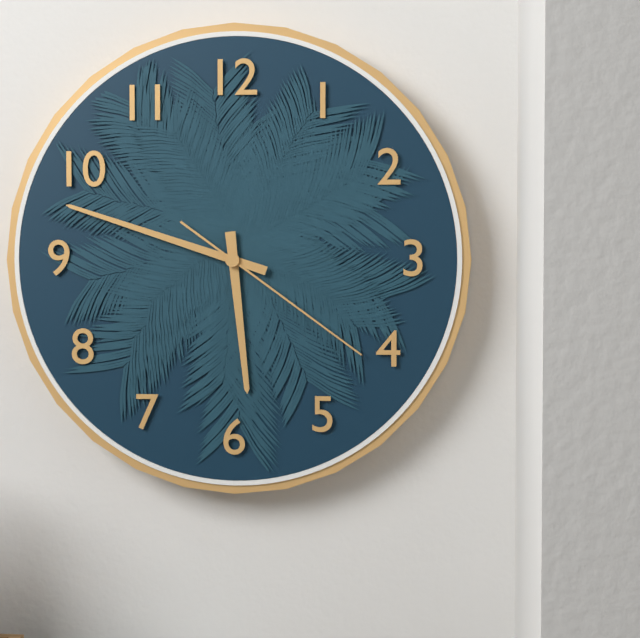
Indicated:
5.48.21
